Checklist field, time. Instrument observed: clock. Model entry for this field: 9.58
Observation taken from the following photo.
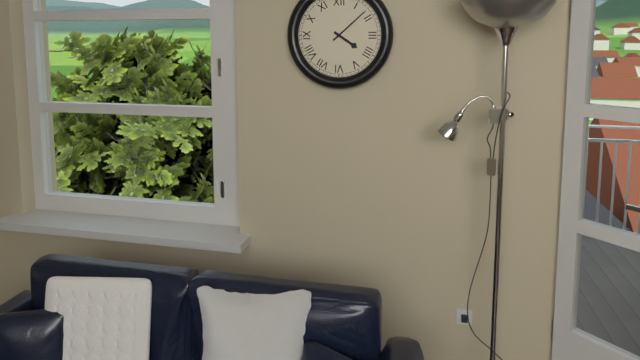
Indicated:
4.08
